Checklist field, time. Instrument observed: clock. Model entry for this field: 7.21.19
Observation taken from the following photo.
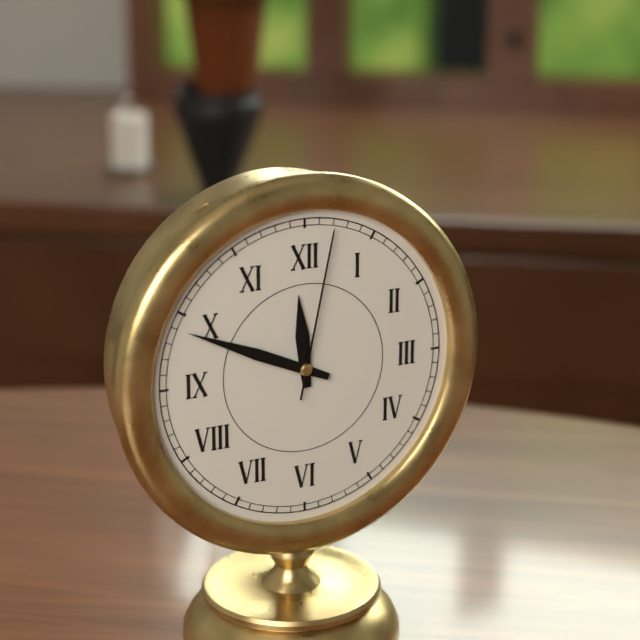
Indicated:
11.49.02
